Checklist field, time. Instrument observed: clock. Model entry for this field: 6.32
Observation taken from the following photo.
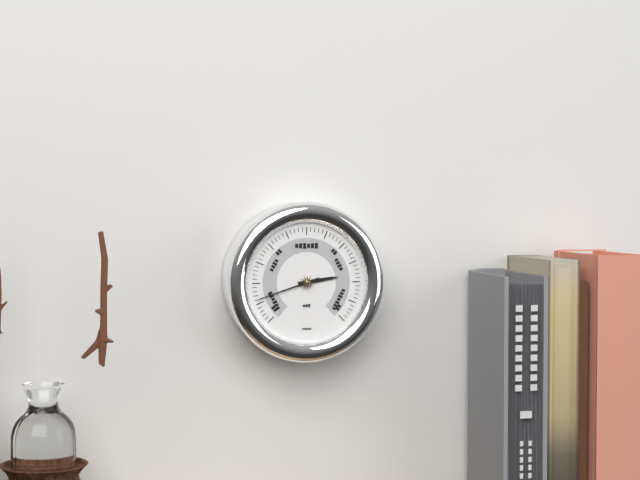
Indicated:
2.42
